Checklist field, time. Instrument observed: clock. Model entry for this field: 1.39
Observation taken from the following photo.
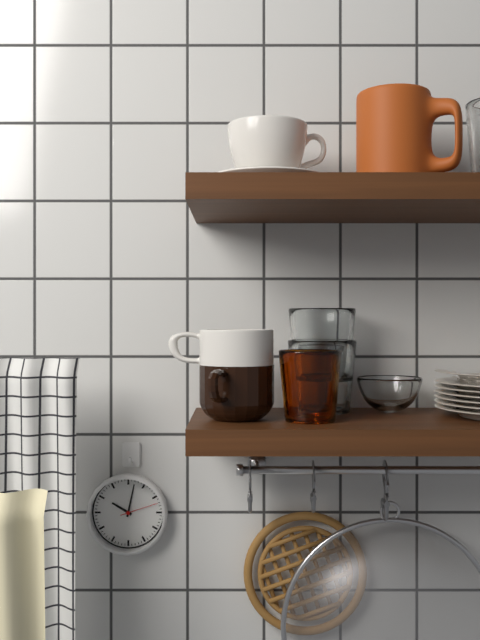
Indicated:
10.02
